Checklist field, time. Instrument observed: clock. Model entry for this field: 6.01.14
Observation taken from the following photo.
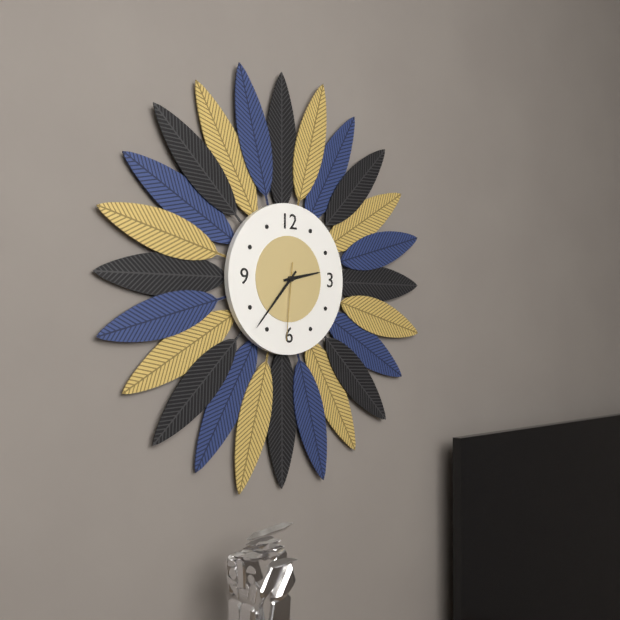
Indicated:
2.37.31
